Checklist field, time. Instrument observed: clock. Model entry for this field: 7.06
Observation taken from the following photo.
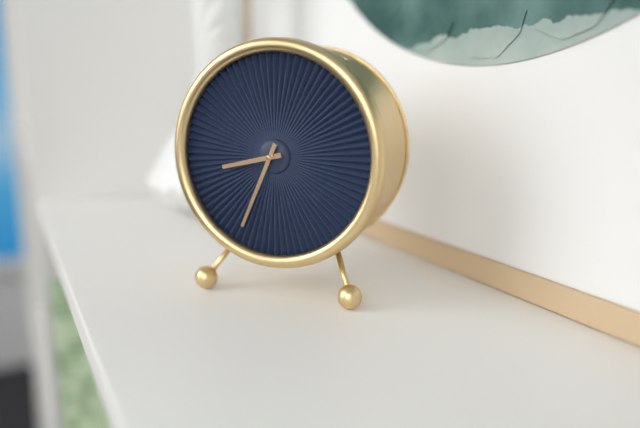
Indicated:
8.34
